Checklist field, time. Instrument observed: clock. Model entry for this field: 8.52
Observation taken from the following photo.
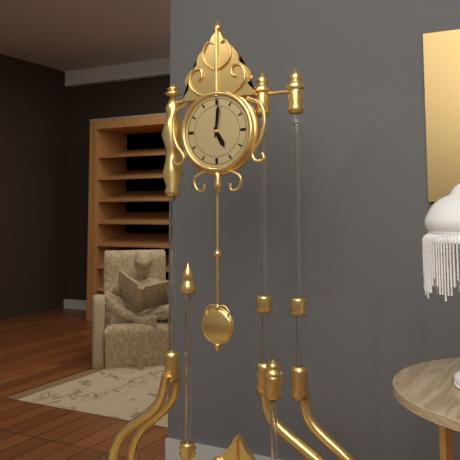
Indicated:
5.01
